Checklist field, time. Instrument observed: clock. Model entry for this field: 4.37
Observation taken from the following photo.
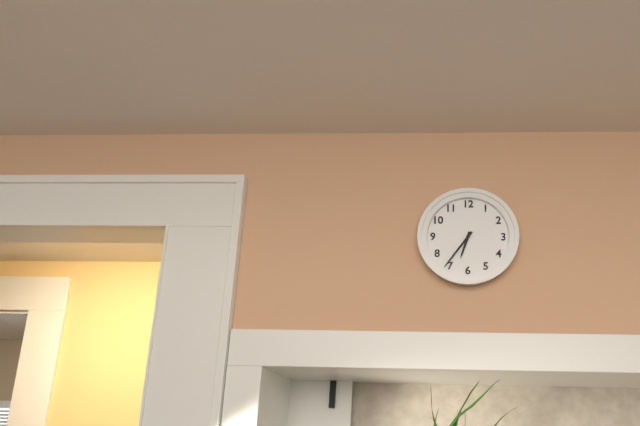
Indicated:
6.36
